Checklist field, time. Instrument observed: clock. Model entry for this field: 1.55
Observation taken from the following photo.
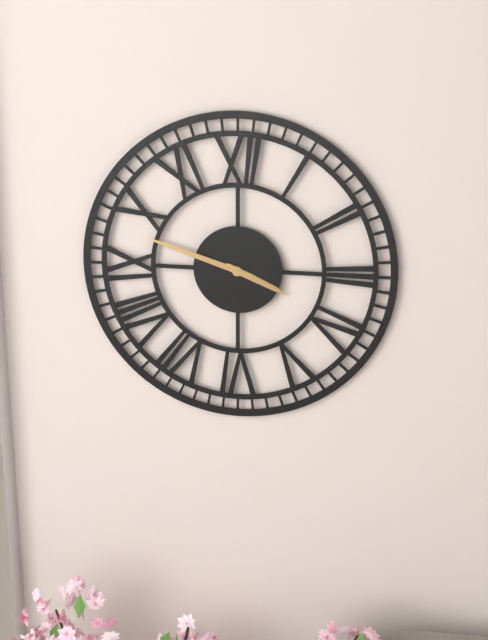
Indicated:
3.48
